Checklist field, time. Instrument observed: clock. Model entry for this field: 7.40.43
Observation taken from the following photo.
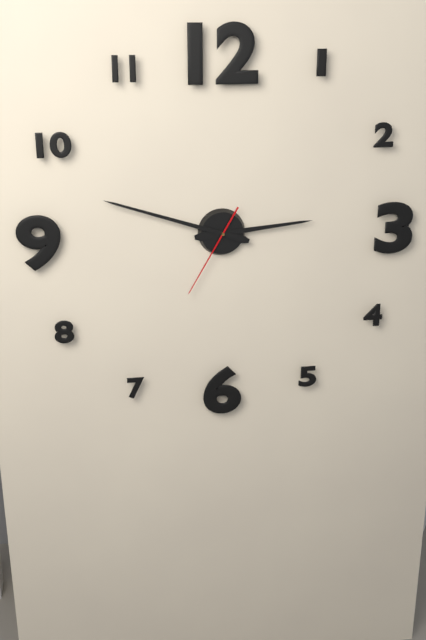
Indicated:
2.48.35
